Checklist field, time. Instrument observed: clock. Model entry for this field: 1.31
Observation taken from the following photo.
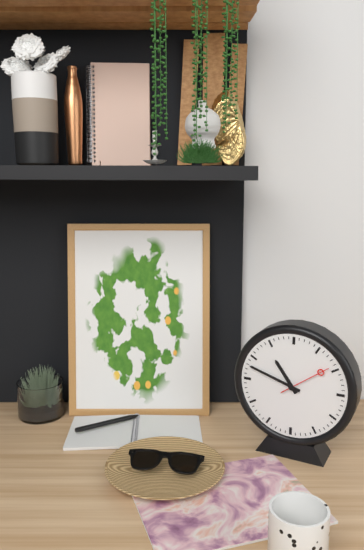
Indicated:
10.48
